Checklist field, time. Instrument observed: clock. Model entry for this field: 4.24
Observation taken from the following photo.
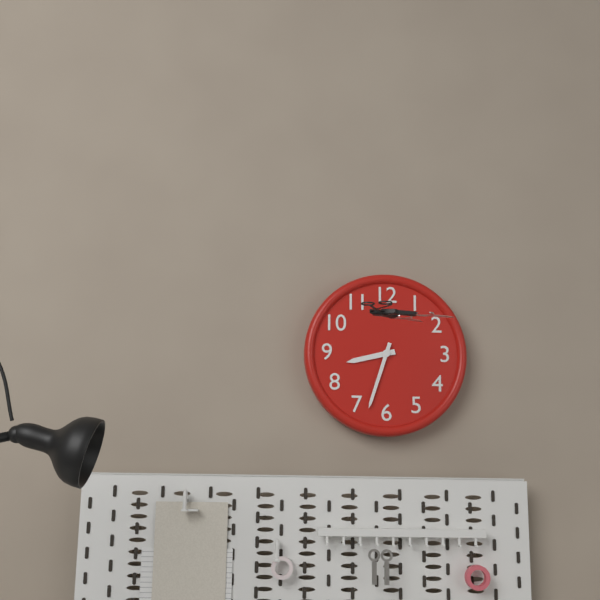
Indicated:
8.33
